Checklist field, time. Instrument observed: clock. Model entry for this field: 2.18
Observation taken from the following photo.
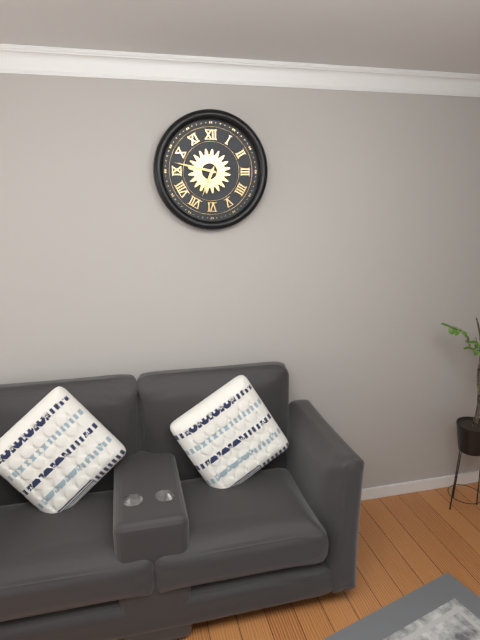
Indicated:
6.47
